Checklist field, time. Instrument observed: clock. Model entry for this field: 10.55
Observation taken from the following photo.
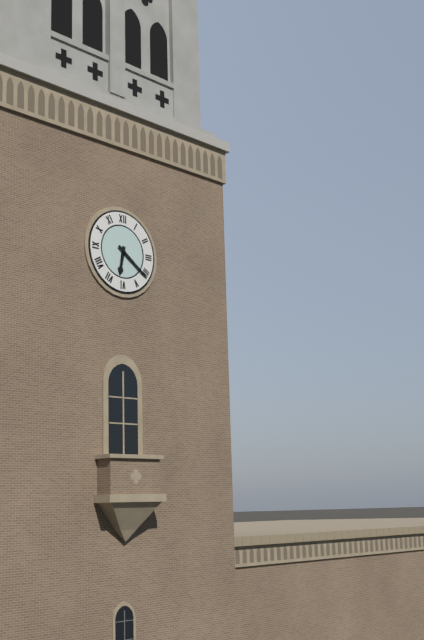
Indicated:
6.21
